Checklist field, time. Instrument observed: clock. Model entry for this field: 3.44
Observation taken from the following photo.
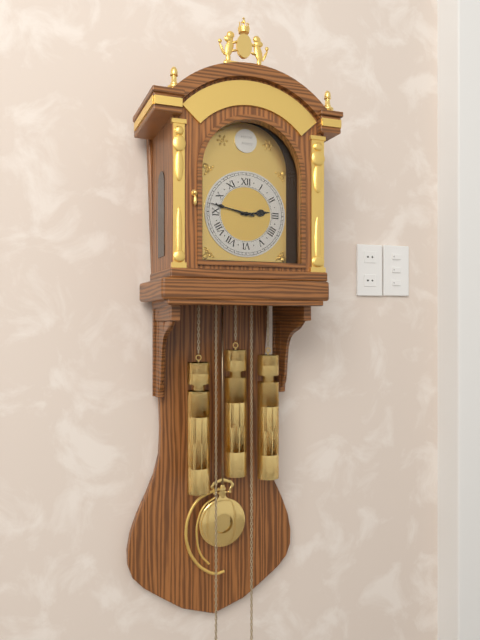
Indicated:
2.47
